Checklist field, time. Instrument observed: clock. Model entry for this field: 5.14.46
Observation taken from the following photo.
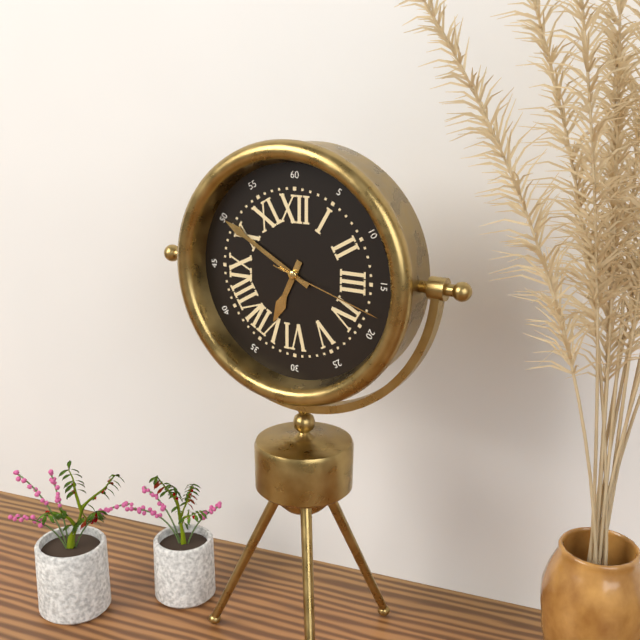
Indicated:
6.50.18
